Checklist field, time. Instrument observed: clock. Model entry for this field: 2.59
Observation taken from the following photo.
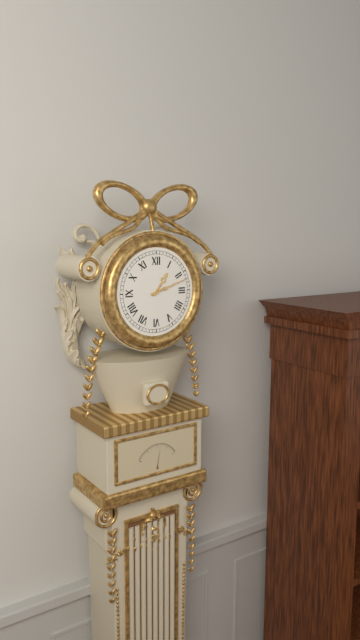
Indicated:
1.12
